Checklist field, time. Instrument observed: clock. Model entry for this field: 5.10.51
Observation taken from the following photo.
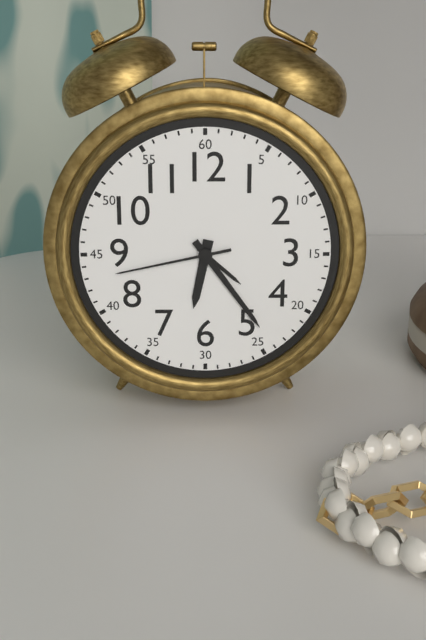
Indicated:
6.24.43
